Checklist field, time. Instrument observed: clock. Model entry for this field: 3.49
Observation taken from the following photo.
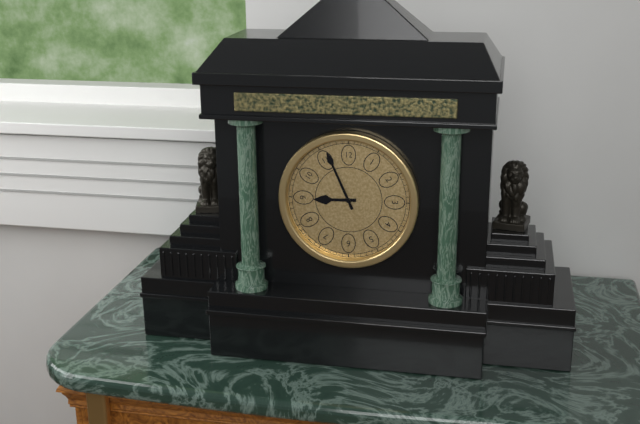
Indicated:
8.56
